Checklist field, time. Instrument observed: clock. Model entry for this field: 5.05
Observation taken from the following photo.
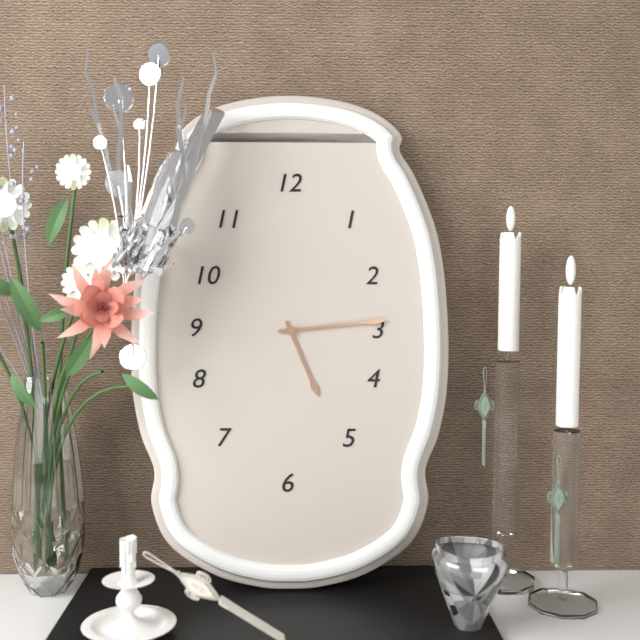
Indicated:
5.14
